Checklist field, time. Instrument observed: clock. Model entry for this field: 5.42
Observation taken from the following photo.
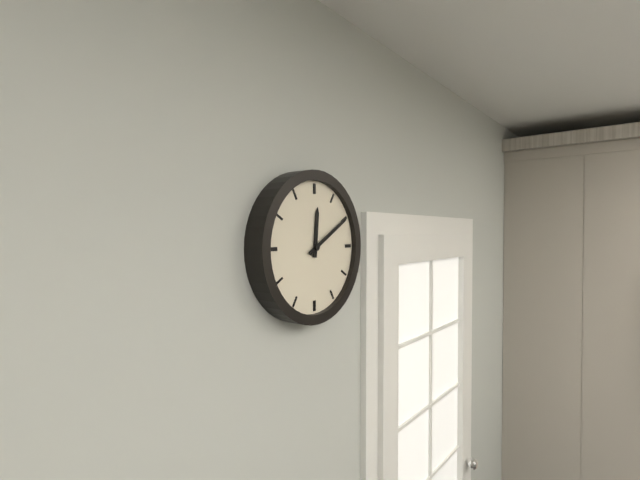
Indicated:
12.10
